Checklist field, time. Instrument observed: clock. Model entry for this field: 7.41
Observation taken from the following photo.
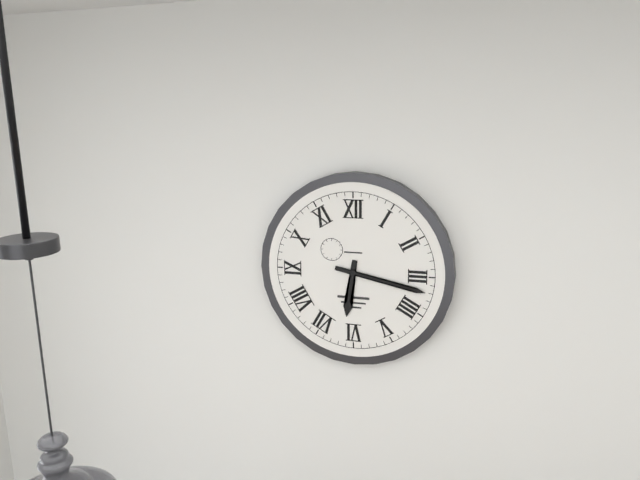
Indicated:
6.17
